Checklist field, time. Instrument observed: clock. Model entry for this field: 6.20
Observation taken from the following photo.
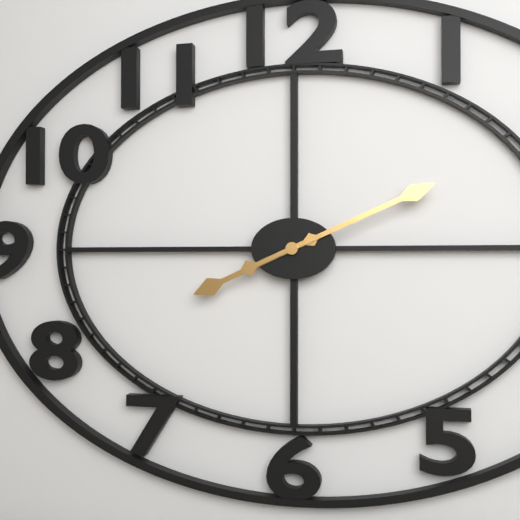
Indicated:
8.11
